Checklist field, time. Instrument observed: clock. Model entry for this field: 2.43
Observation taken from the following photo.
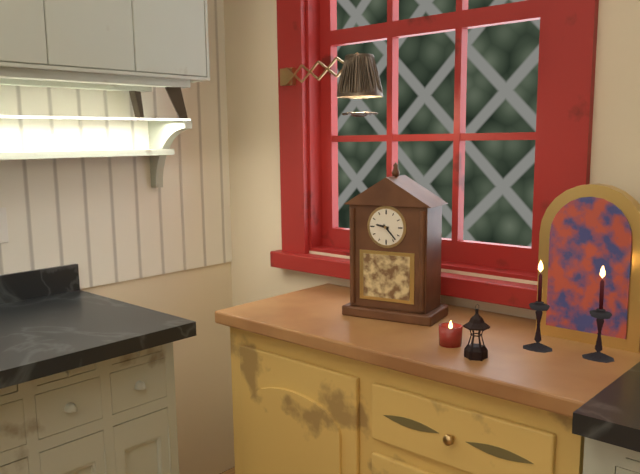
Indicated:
9.23
